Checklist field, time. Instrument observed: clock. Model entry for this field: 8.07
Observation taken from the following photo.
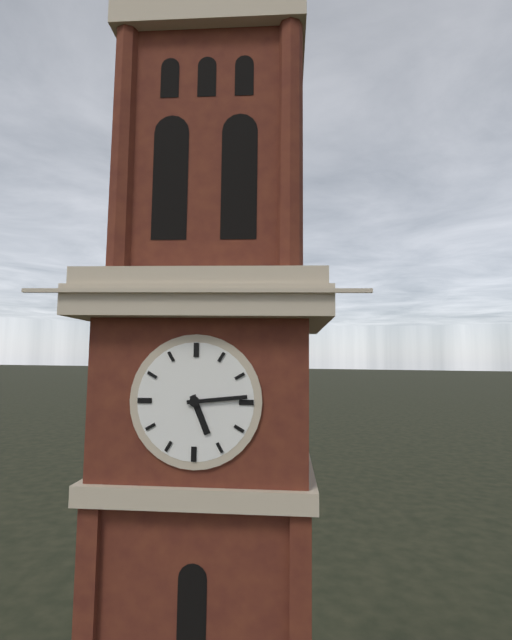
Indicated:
5.14
